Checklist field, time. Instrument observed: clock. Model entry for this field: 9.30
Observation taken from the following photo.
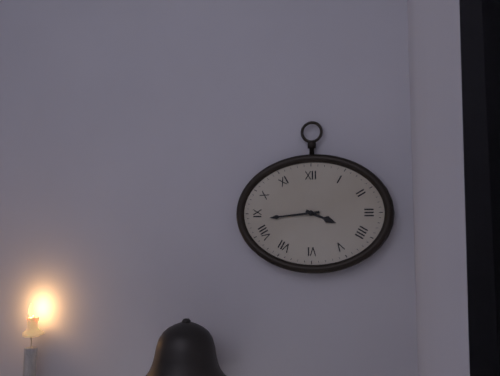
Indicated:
3.44
